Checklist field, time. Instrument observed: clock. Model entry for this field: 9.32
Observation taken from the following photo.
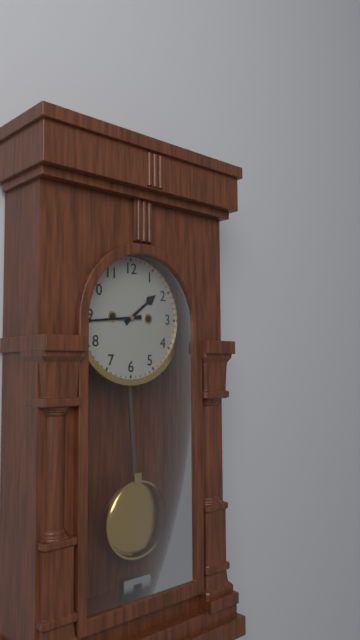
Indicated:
1.44
